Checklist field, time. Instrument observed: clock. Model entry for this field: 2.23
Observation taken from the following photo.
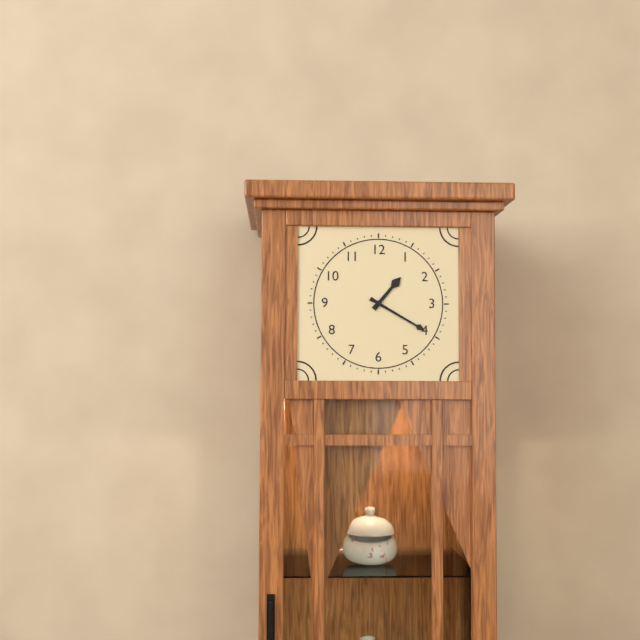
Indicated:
1.20
